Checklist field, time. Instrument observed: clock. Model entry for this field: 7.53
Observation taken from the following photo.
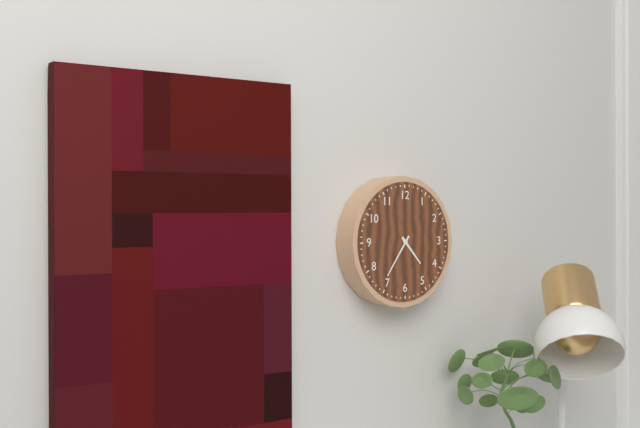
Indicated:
4.36
